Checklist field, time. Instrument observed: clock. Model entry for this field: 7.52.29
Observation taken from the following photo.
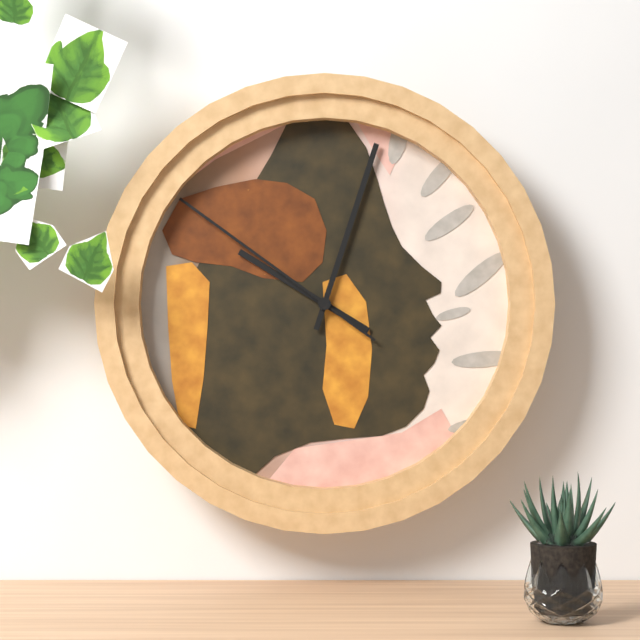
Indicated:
10.03.51
